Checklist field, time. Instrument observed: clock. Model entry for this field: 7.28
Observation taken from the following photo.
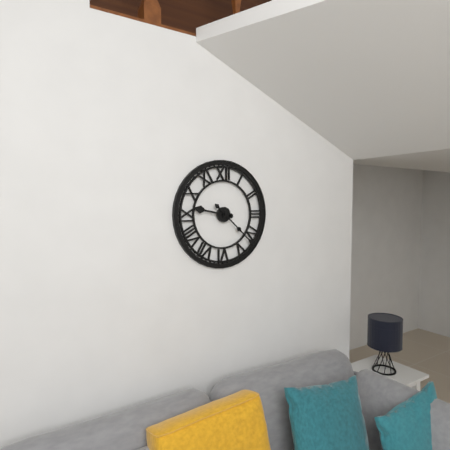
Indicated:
9.22
